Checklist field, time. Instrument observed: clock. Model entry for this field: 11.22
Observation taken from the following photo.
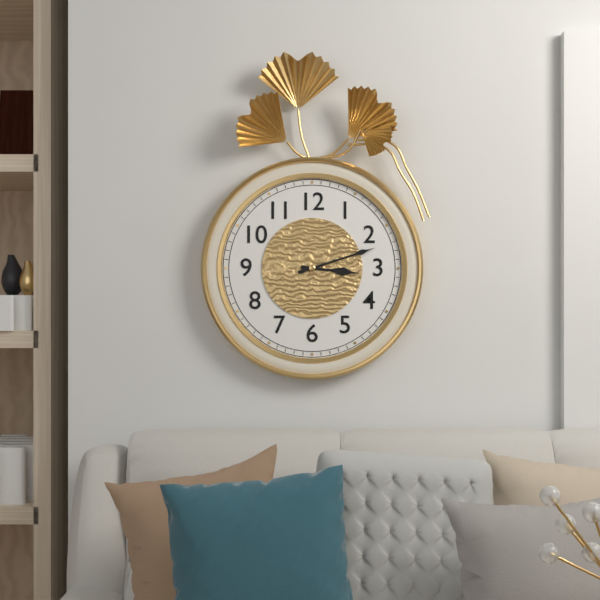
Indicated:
3.12
